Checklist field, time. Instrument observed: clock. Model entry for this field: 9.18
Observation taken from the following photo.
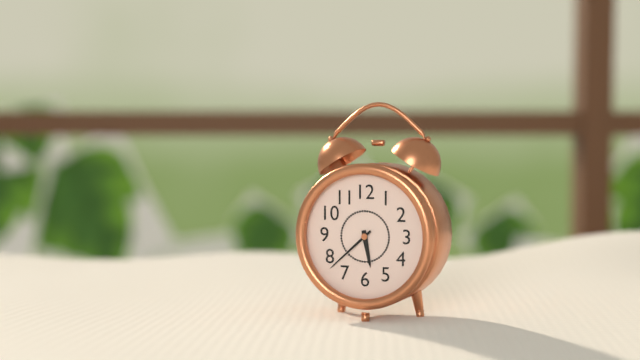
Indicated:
5.38
